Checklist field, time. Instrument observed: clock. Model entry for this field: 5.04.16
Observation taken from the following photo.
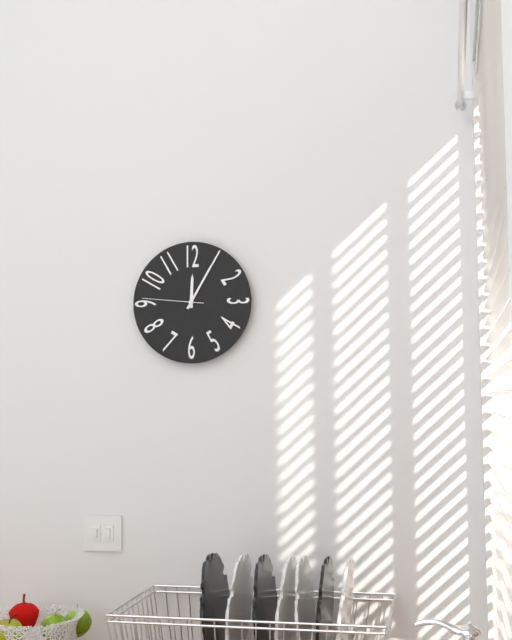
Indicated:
12.05.46
